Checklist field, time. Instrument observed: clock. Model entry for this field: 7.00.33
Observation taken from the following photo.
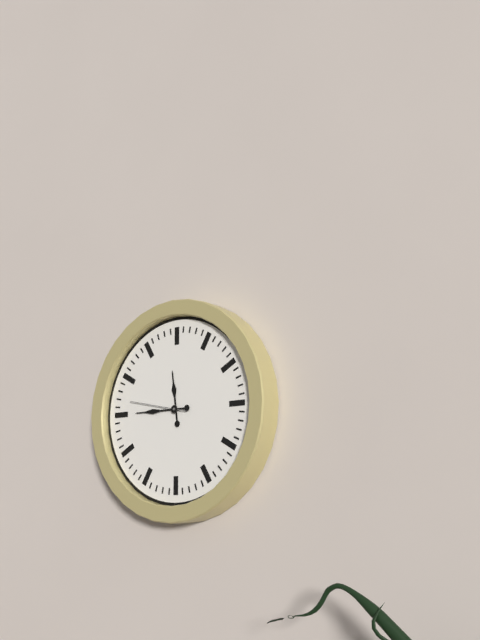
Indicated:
11.45.47
